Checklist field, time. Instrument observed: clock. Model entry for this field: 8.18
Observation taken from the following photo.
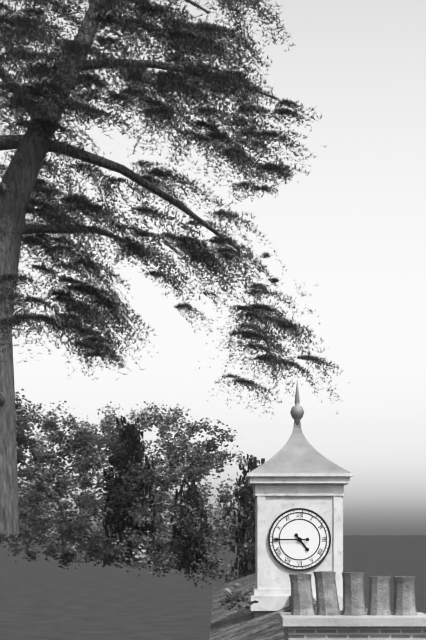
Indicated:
4.45
